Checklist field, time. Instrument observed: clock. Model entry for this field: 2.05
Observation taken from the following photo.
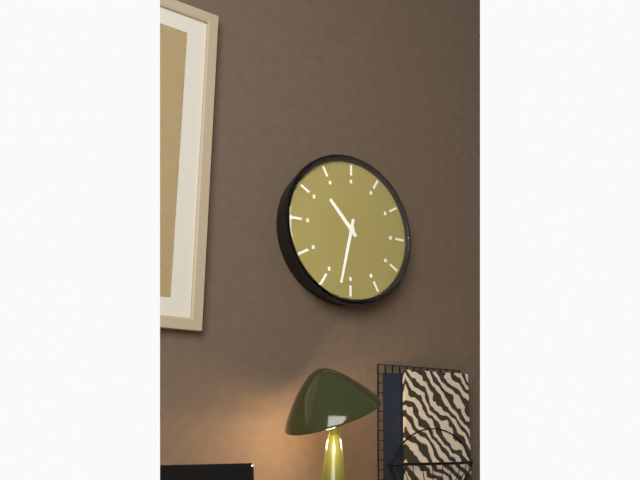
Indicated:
10.32
